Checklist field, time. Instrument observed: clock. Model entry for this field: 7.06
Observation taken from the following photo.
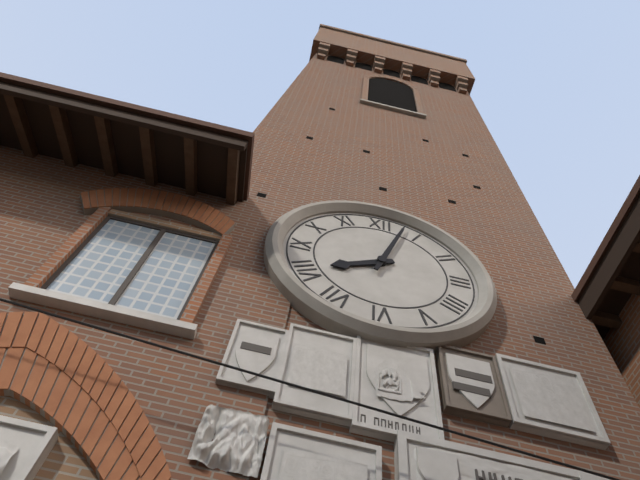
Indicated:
8.03
